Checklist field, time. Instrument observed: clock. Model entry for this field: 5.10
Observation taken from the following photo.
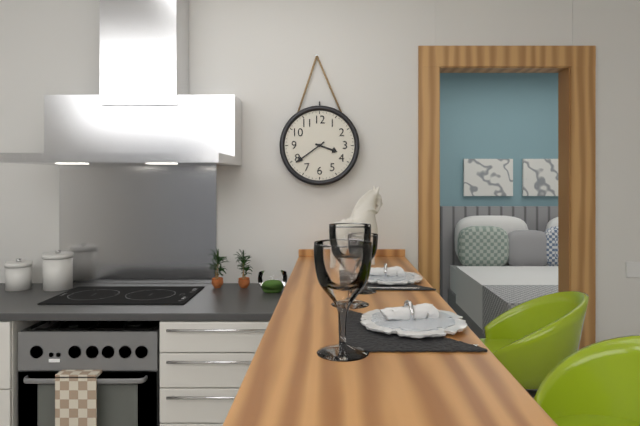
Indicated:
3.39
